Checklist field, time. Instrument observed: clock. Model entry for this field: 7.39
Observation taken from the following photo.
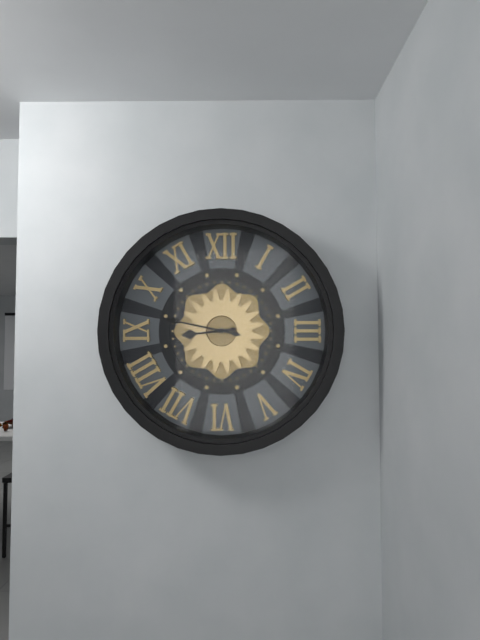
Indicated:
8.47
